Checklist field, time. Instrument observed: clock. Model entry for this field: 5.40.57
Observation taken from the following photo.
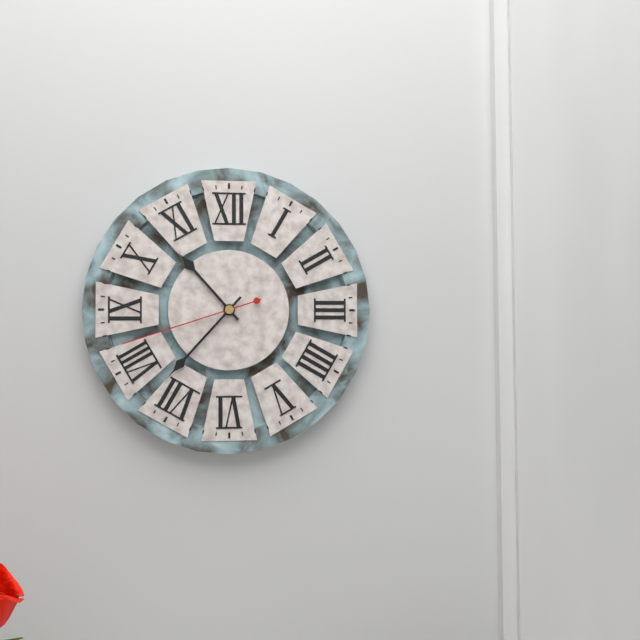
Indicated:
10.37.42
